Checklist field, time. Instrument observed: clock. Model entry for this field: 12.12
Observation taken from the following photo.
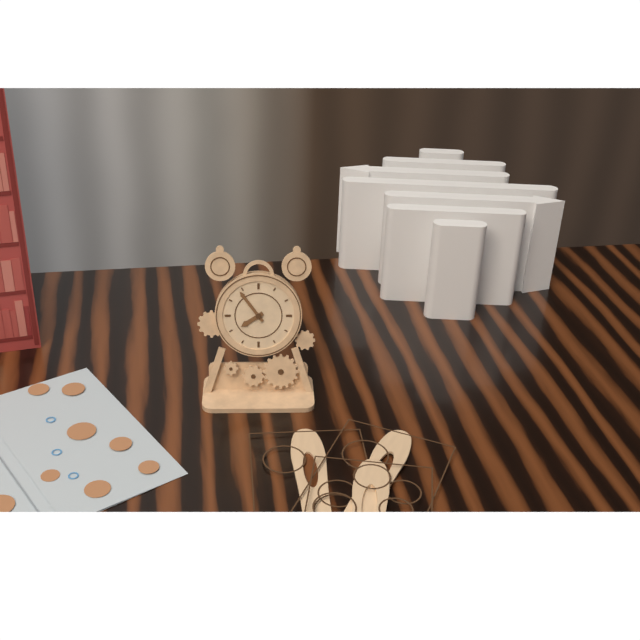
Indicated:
7.54
